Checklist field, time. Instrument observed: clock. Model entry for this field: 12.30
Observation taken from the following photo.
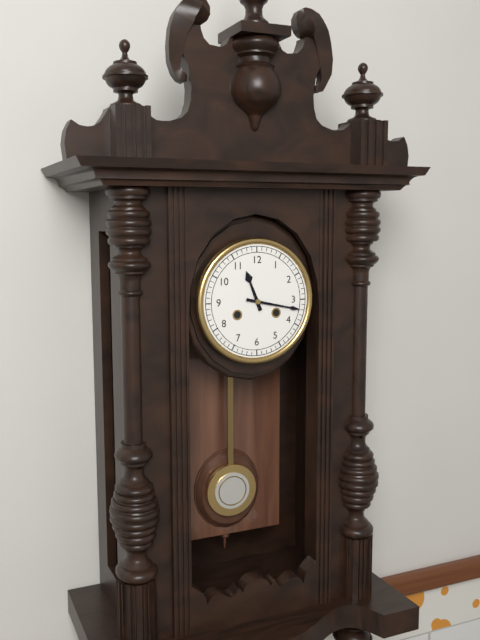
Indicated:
11.17
